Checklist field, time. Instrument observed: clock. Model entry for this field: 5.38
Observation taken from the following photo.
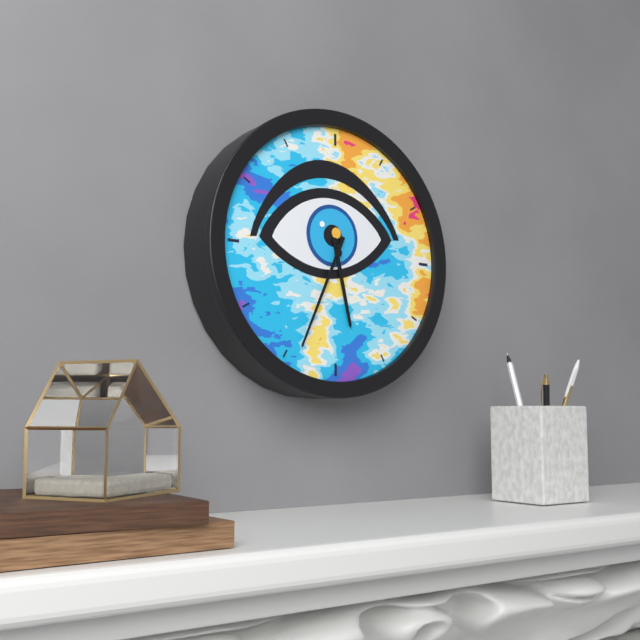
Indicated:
5.34
